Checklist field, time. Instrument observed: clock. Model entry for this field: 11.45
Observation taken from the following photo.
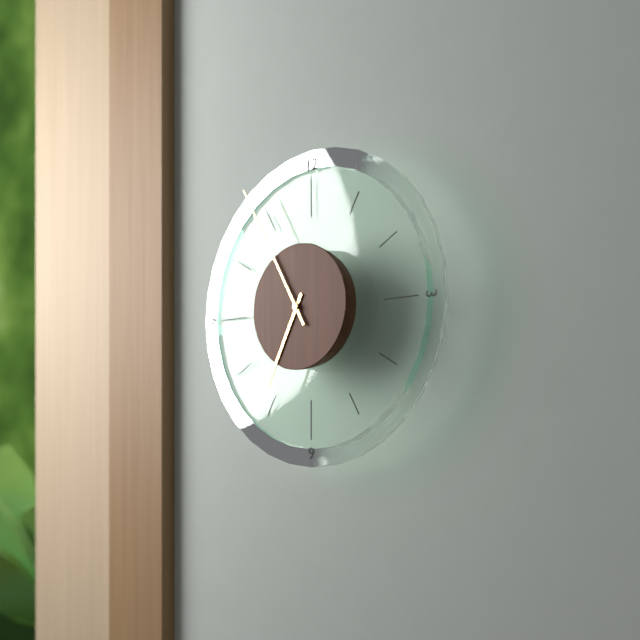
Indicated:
6.55
